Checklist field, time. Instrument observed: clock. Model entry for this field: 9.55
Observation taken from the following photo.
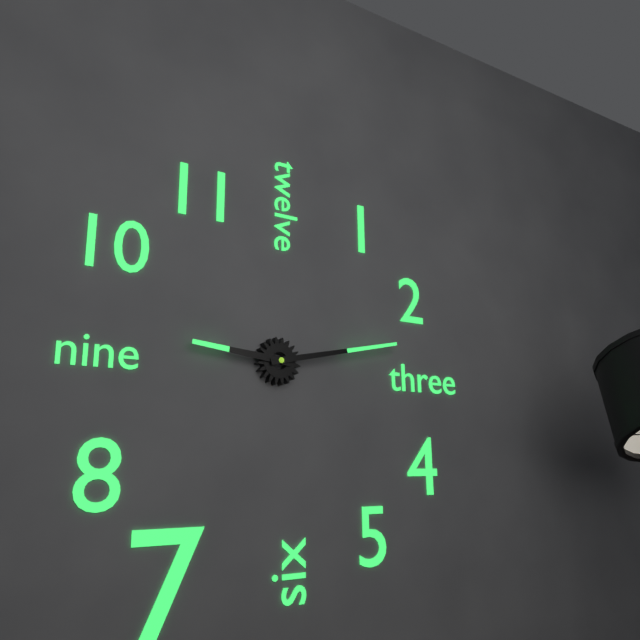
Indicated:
9.13
